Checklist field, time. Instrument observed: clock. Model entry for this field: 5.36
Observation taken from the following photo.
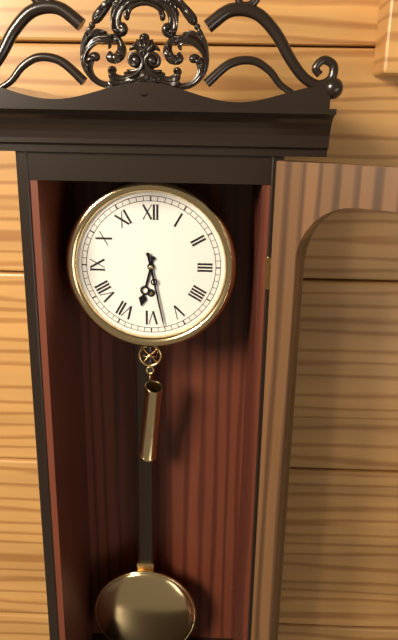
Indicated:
6.28
